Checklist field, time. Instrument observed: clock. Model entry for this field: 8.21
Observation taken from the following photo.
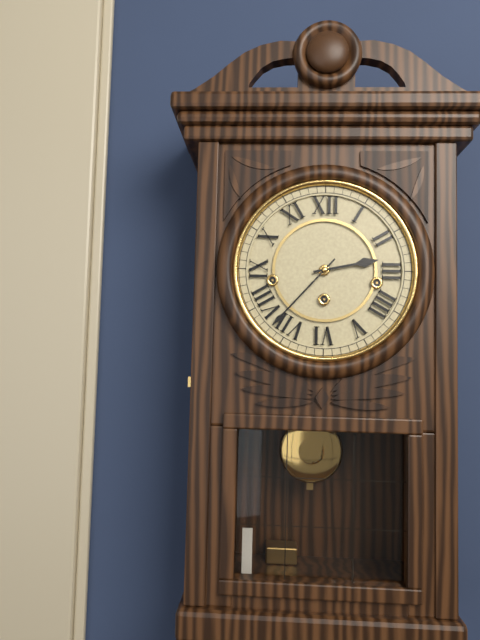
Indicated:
2.37
